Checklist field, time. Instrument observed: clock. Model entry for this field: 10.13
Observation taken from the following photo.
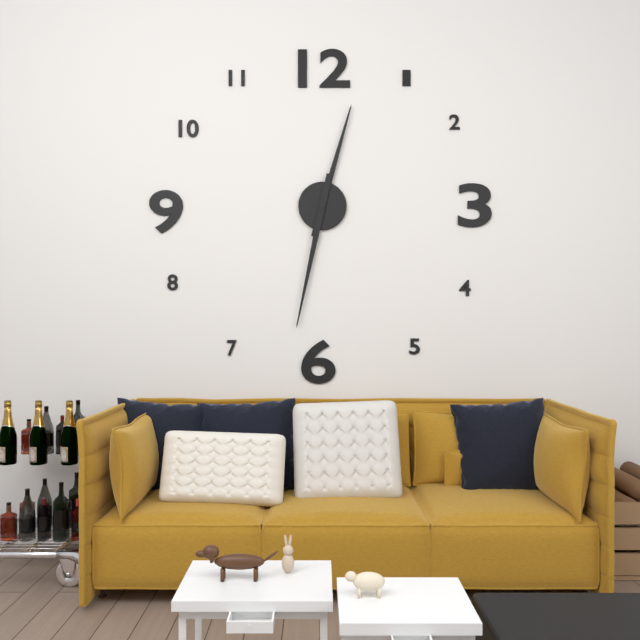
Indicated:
12.32
